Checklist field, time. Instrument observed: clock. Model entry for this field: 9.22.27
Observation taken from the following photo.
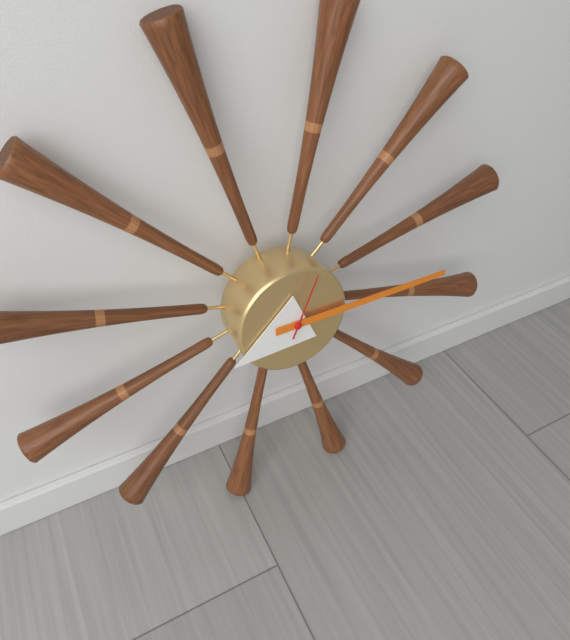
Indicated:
8.15.04
